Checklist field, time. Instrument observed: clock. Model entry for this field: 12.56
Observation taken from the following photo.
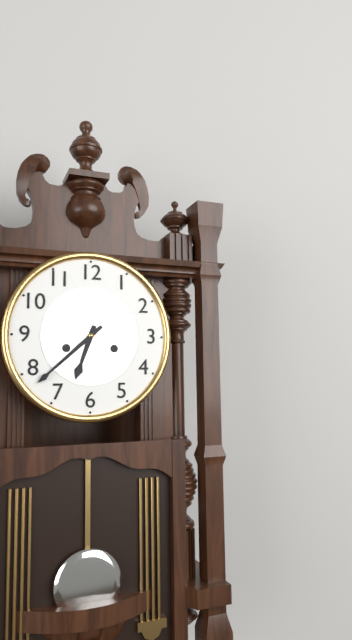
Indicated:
6.38
